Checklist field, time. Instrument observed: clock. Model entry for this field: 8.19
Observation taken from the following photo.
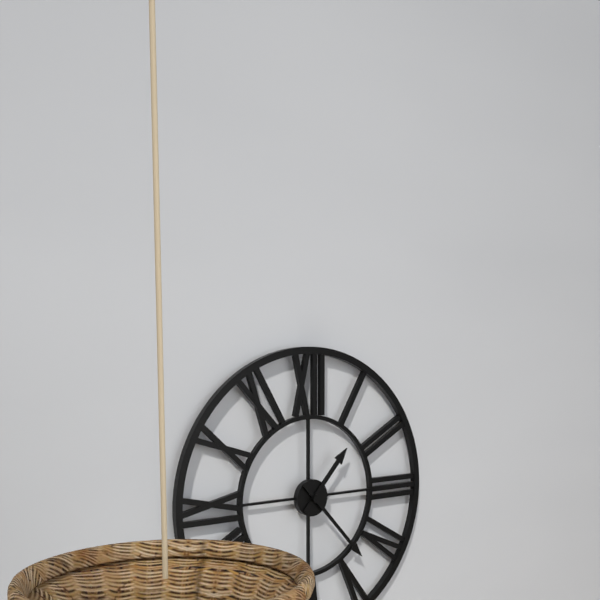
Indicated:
1.23
